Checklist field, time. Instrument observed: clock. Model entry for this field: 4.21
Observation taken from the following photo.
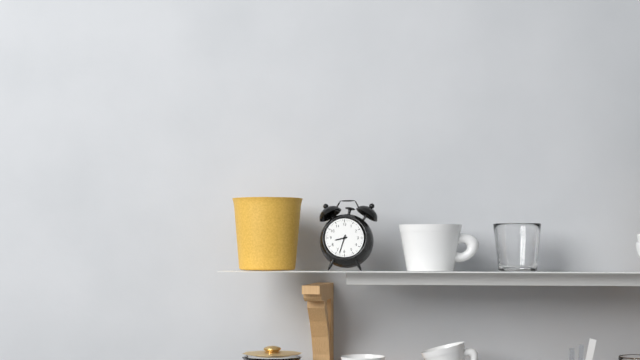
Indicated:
8.33
